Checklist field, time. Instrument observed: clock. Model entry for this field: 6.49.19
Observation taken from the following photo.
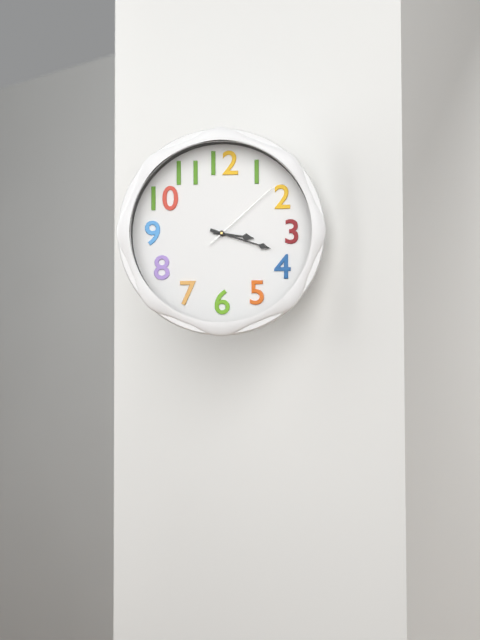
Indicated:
3.18.08
